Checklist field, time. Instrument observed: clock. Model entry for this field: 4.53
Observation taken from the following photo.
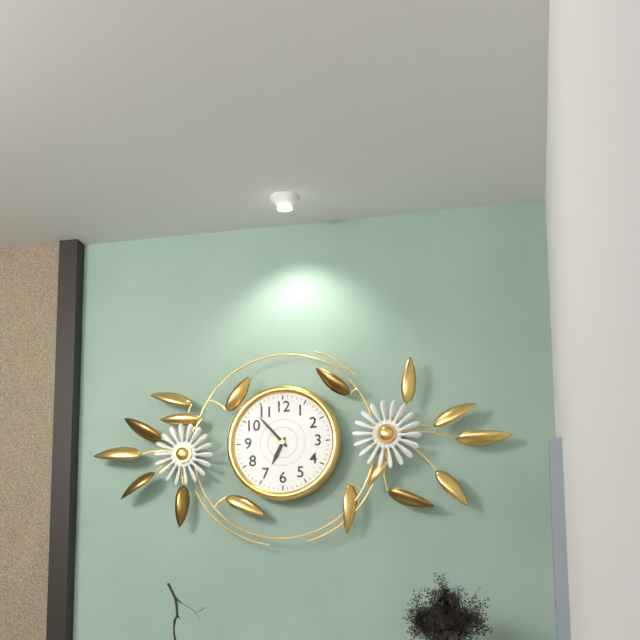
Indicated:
6.53
